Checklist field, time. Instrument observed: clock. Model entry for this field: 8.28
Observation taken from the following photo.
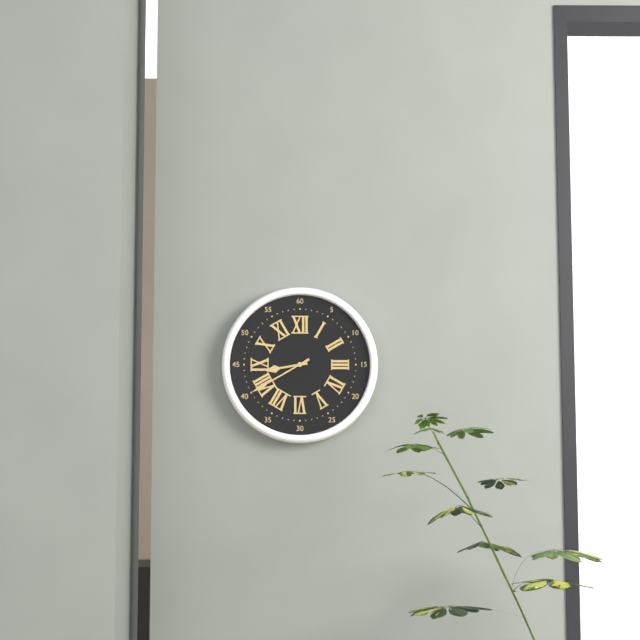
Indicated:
8.40
